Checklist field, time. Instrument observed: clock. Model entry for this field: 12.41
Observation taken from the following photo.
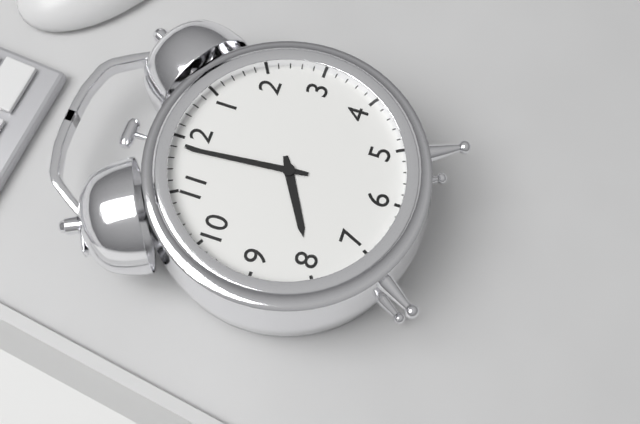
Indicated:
7.59
